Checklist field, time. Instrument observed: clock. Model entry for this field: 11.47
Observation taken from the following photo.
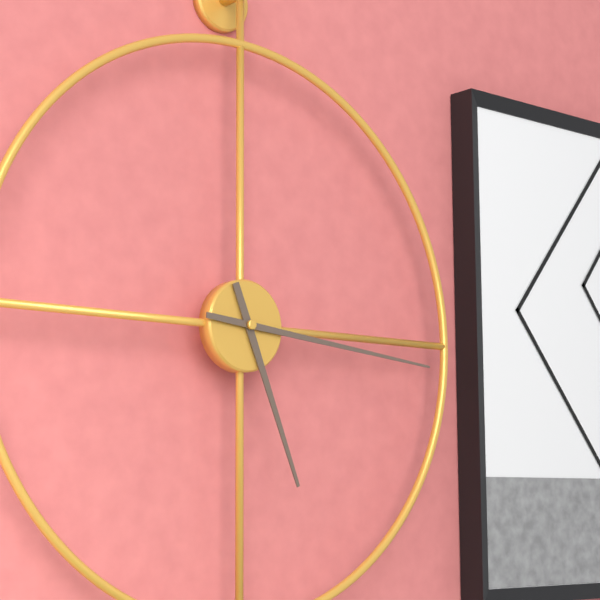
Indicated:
5.16
